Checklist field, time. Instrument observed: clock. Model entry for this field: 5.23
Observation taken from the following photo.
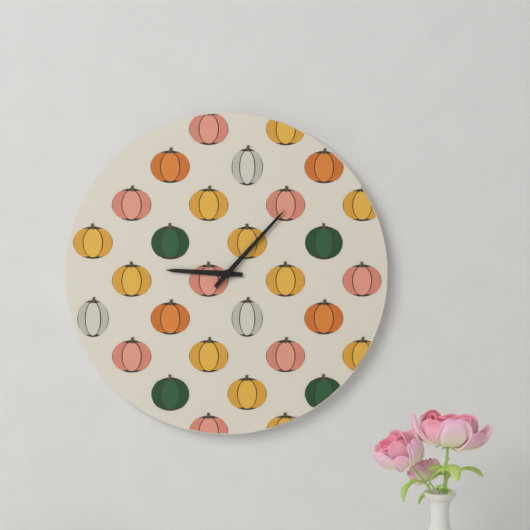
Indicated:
9.07
